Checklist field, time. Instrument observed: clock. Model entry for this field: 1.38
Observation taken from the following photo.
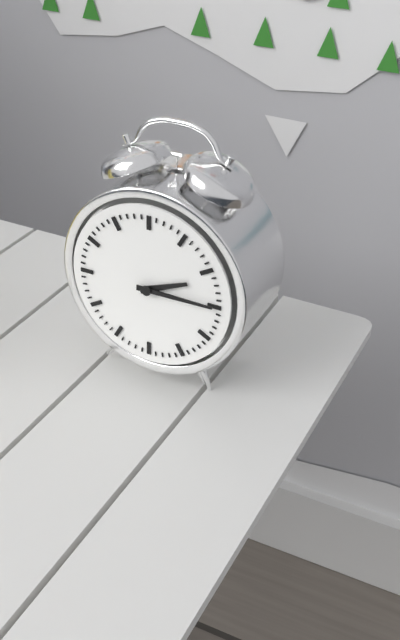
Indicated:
2.15
